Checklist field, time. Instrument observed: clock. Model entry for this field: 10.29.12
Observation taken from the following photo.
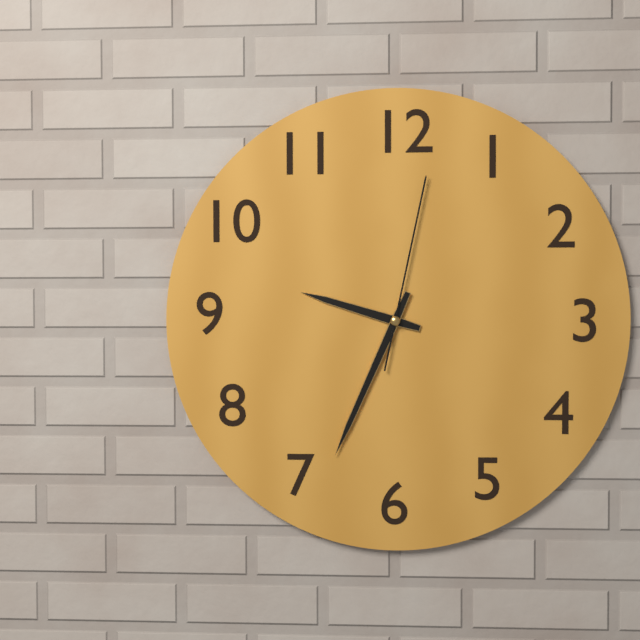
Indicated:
9.34.02
